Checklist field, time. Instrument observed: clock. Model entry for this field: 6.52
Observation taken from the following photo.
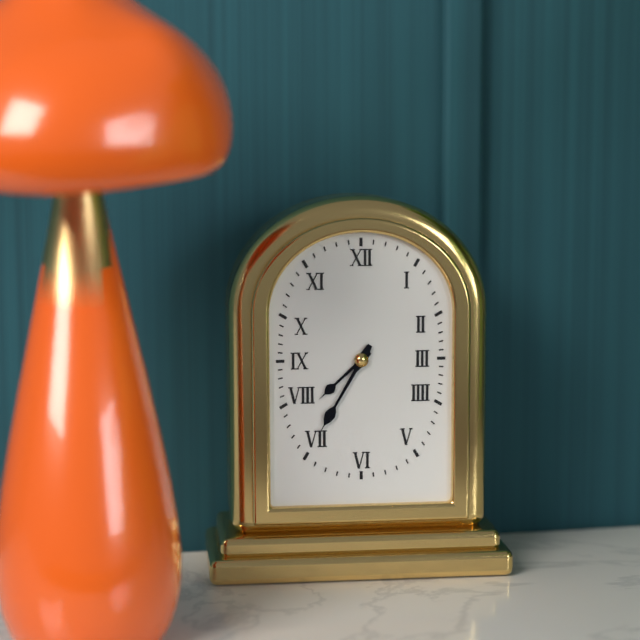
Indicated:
7.35
